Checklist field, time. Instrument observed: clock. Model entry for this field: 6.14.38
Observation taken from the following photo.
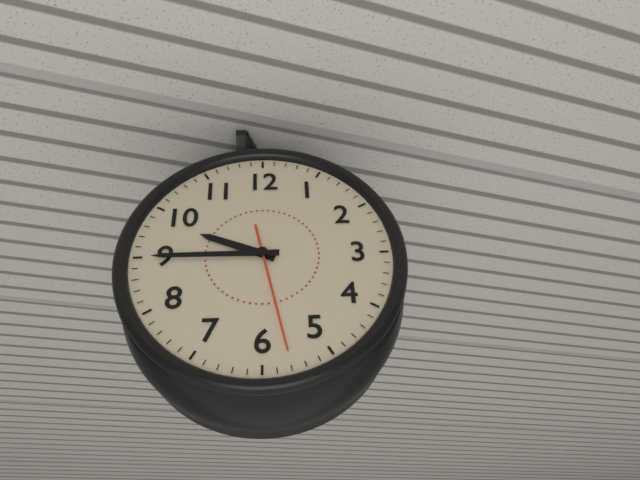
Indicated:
9.45.28
